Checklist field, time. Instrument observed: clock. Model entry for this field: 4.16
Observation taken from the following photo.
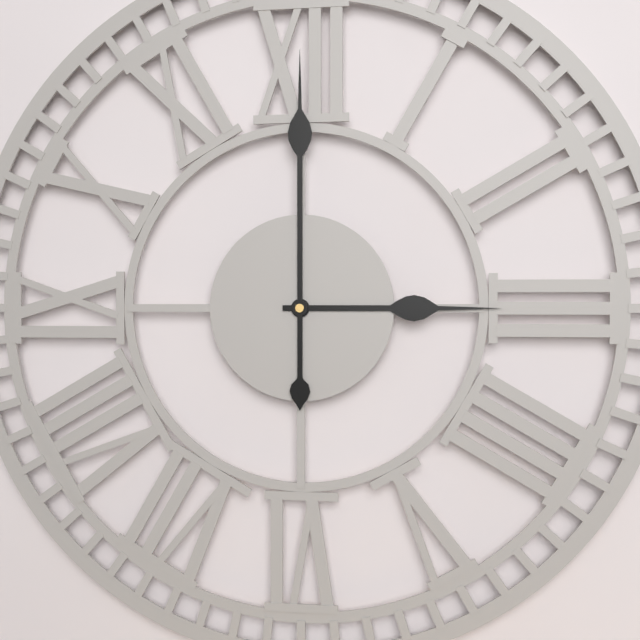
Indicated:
3.00
